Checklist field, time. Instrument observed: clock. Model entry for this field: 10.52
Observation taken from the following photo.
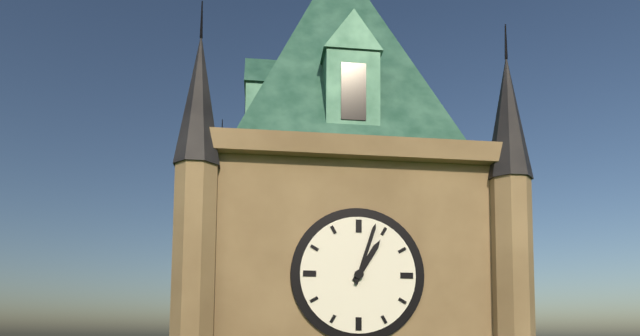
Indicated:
1.03
